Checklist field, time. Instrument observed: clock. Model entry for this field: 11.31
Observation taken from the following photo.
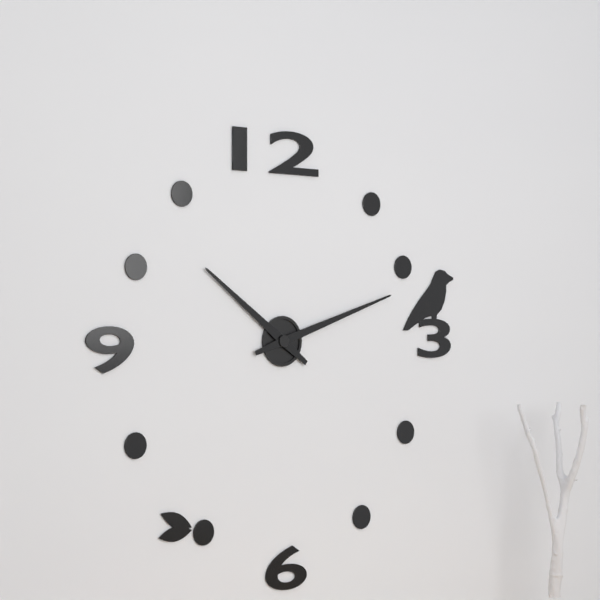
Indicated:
10.12
